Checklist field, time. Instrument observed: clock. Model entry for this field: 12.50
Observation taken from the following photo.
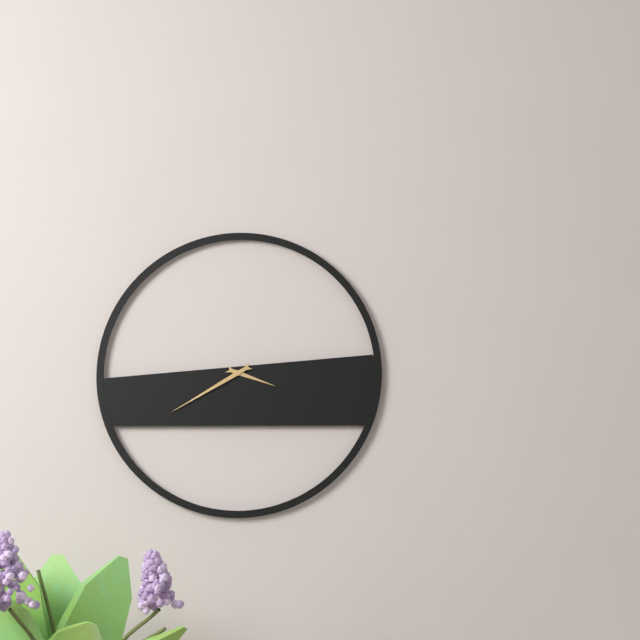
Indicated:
3.40
